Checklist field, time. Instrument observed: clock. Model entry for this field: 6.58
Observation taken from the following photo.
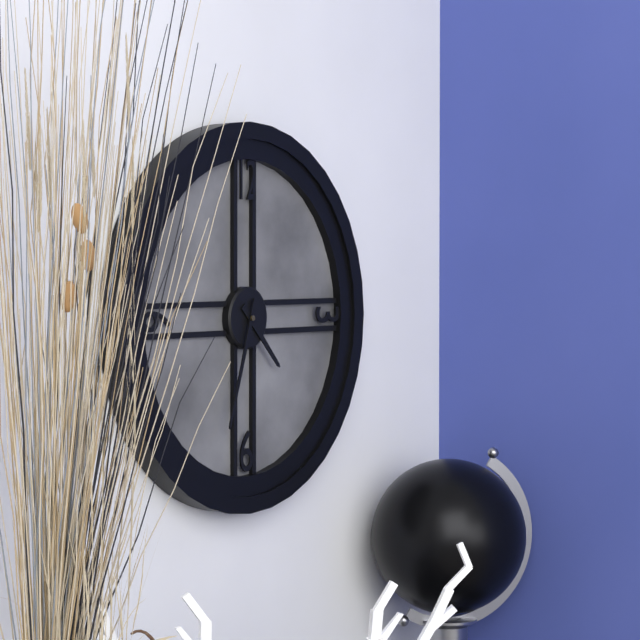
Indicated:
4.33
